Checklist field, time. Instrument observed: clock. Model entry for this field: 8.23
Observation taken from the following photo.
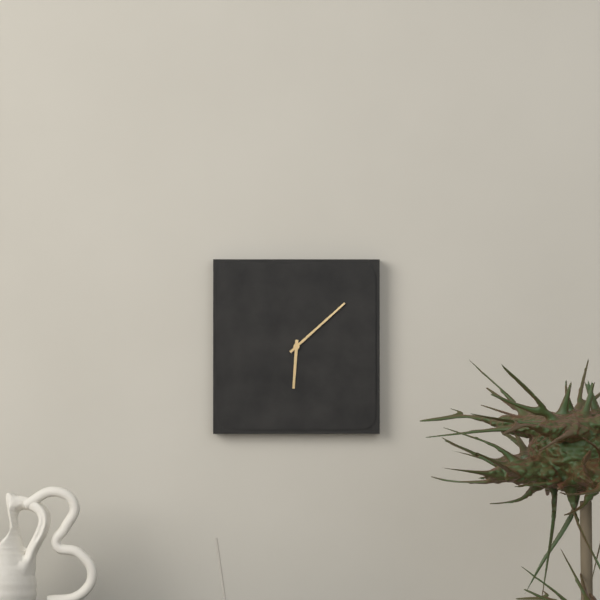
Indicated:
6.08
